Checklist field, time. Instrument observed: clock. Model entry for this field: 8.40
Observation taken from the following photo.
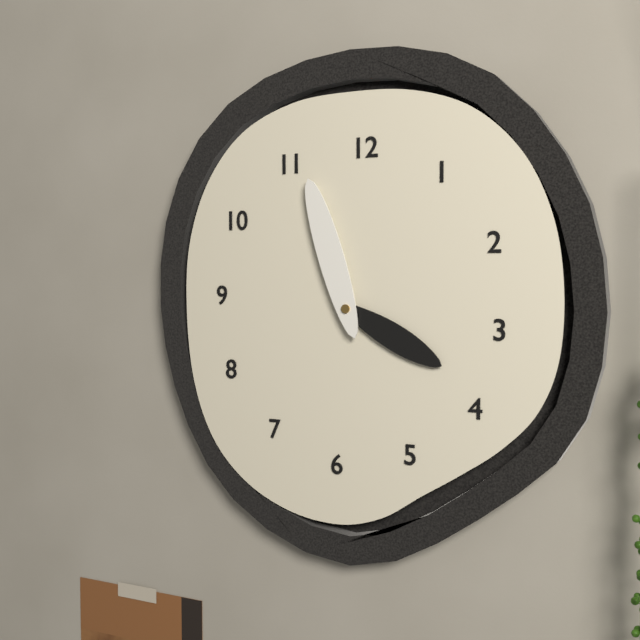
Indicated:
3.57
